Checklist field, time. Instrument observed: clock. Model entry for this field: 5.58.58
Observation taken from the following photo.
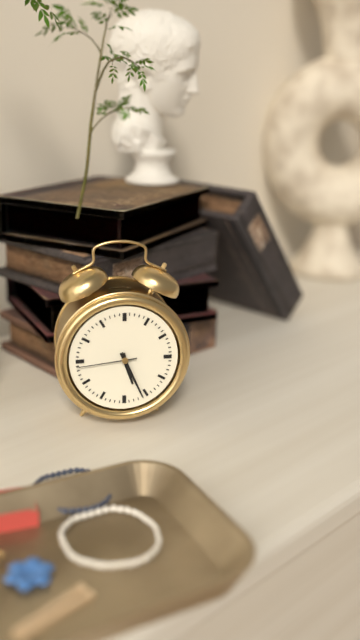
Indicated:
5.26.44
